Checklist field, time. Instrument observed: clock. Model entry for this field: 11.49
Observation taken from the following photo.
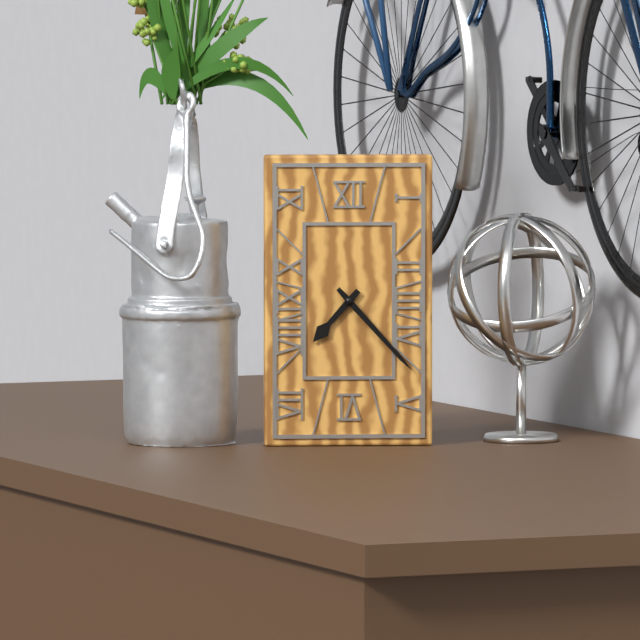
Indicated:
7.23
